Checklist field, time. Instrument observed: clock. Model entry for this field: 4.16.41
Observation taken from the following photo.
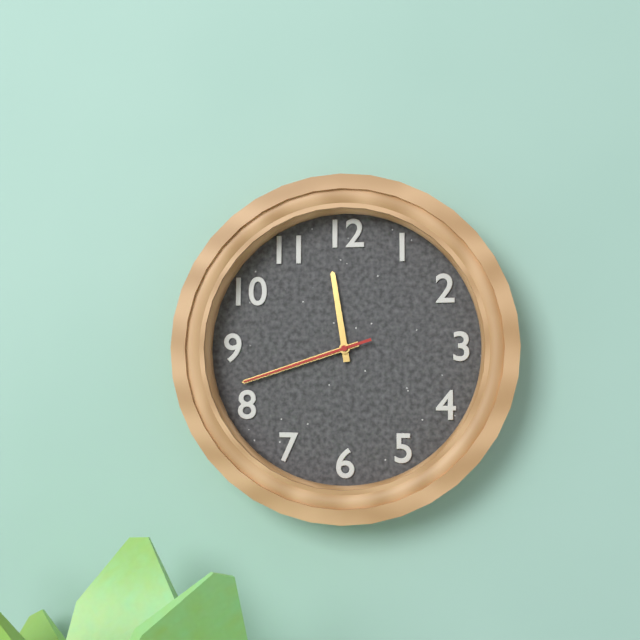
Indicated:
11.42.42
